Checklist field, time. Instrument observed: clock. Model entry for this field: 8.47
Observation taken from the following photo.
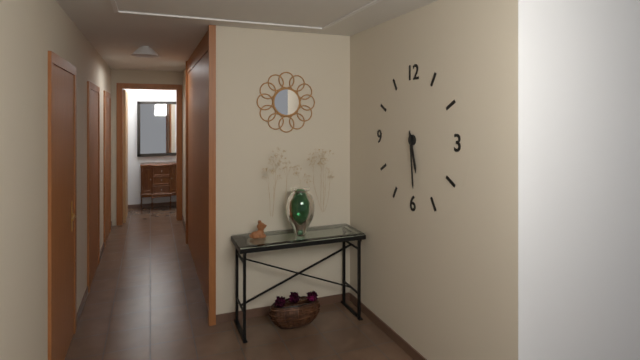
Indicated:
5.29
